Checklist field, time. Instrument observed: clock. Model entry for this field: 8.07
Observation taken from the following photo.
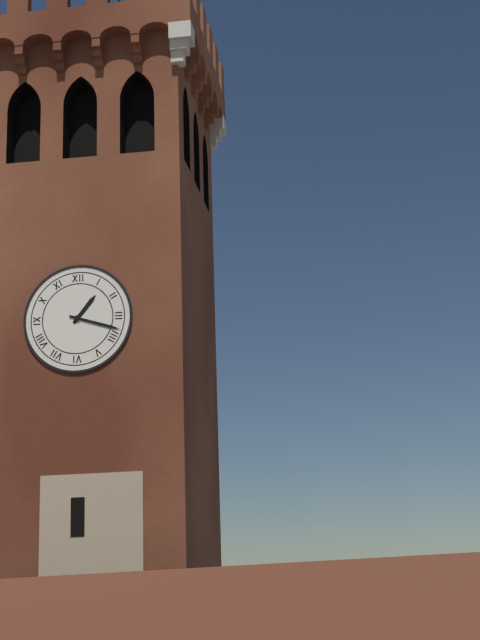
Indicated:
1.18
